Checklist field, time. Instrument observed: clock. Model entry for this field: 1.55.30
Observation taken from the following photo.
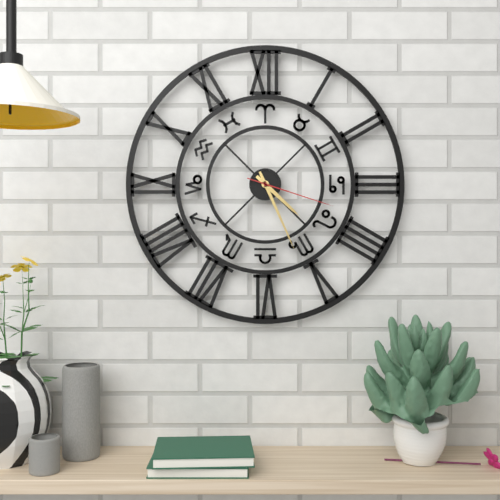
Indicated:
4.26.18
